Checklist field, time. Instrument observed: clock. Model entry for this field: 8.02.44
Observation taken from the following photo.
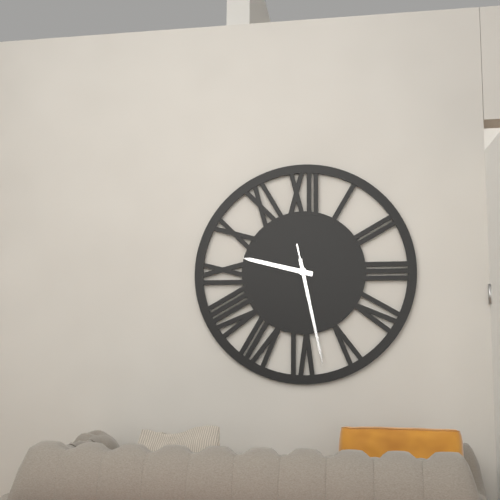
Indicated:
9.28.28
